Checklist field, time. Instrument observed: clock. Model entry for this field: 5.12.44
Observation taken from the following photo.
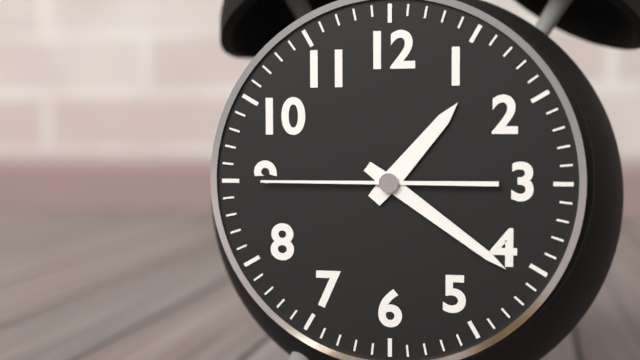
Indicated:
1.21.45
